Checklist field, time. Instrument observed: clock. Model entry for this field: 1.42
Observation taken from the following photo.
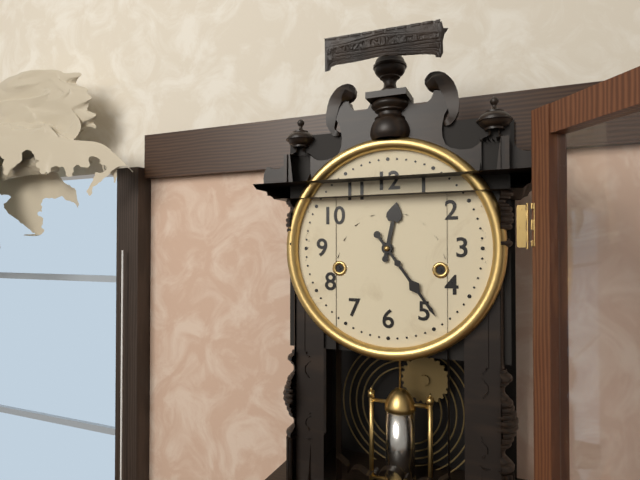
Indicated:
12.24
